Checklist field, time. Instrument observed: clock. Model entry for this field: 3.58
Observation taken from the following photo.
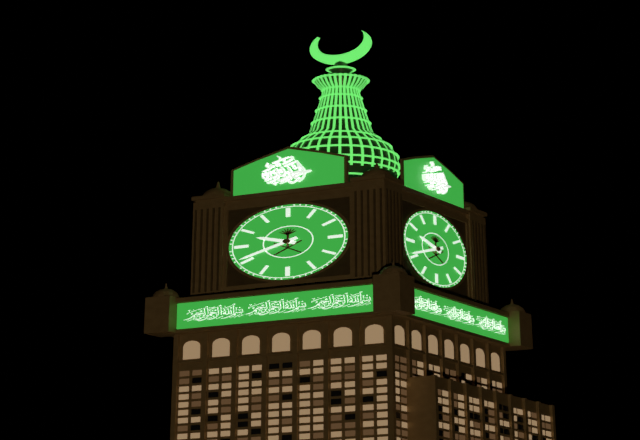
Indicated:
9.41
